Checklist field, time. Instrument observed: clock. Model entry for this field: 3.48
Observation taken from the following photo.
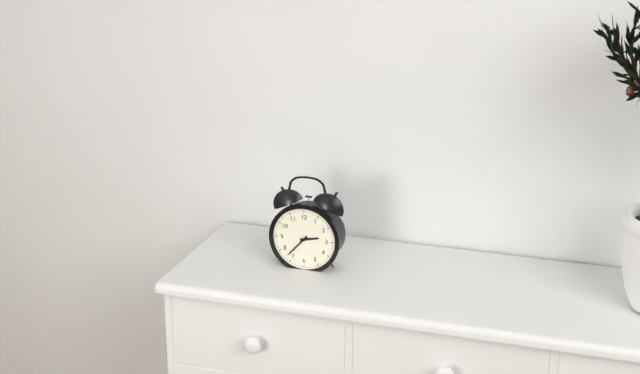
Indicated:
2.37
